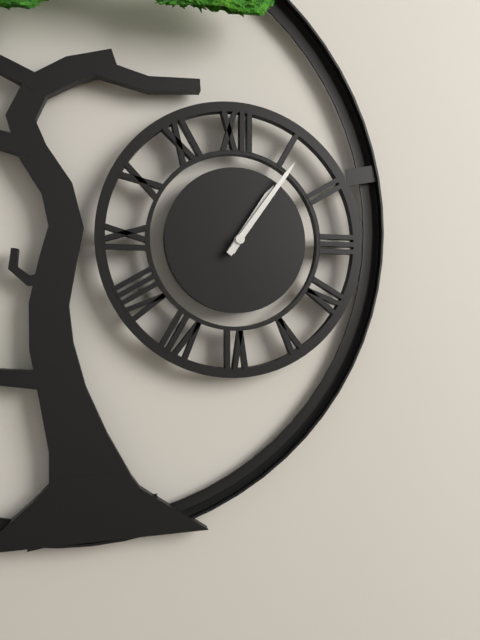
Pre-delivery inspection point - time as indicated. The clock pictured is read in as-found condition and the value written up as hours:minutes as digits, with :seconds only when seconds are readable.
1:06
